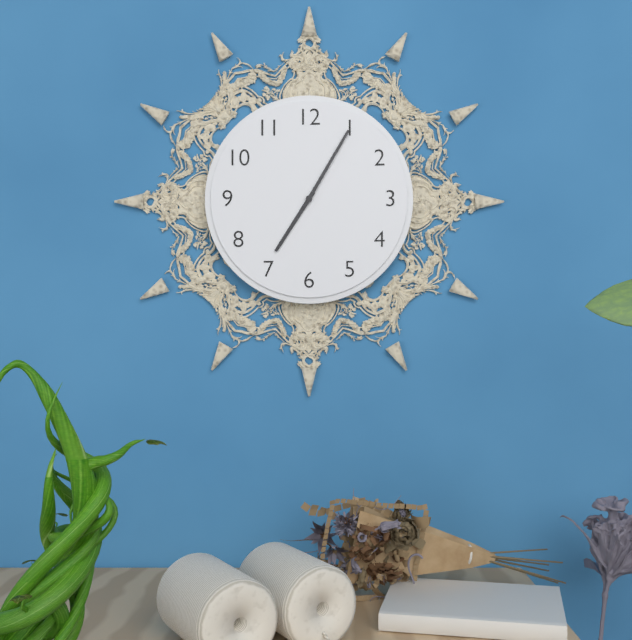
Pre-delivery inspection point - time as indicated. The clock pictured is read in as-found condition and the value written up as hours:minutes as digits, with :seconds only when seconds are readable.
7:05
